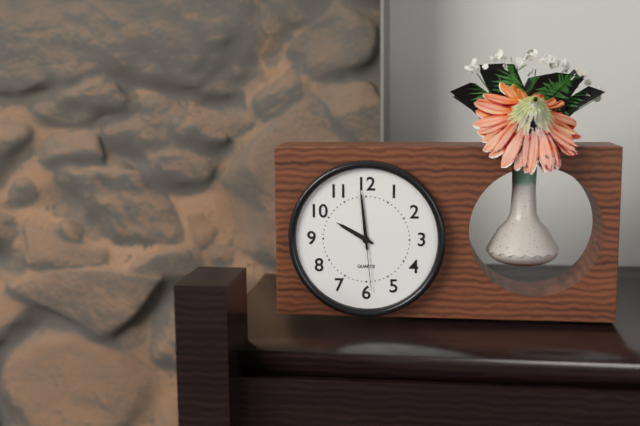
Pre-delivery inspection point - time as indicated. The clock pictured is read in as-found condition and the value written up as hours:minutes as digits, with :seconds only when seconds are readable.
9:59:29
